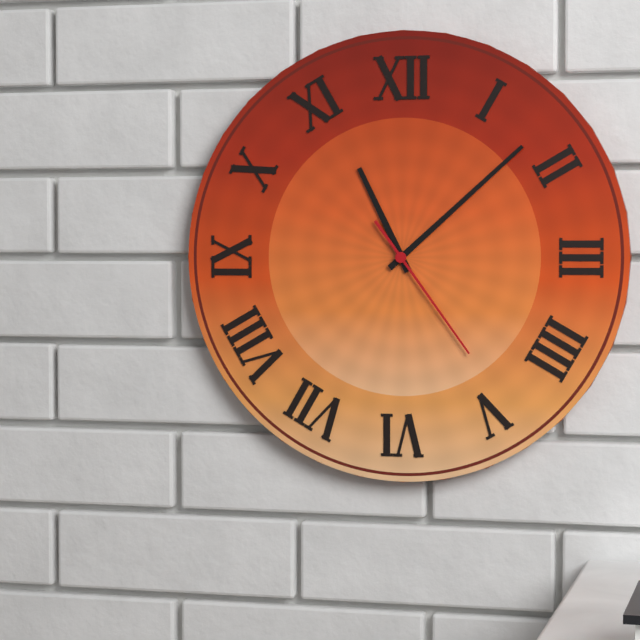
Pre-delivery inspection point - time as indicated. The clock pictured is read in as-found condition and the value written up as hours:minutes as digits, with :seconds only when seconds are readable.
11:08:24
